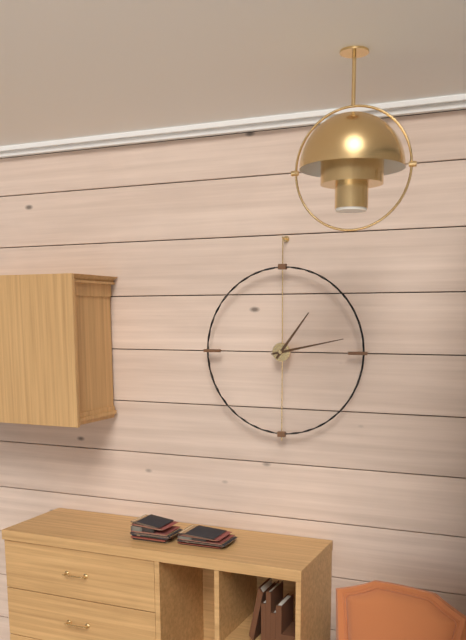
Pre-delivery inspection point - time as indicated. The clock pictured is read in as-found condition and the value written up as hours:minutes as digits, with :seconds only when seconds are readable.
1:13
